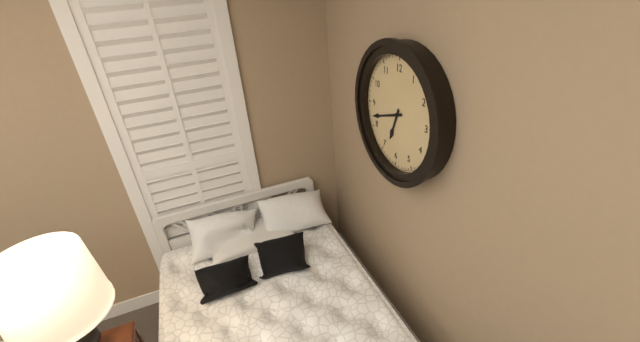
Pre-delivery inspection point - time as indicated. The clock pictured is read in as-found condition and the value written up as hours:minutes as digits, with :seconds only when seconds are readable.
6:42
